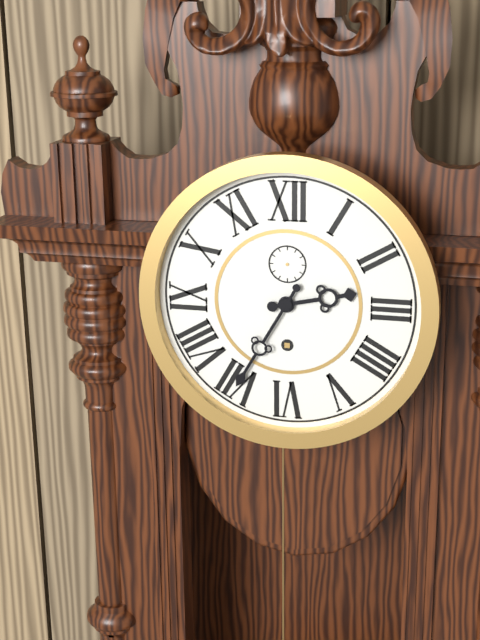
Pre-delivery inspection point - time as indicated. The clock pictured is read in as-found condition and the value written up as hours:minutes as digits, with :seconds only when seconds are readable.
2:35
